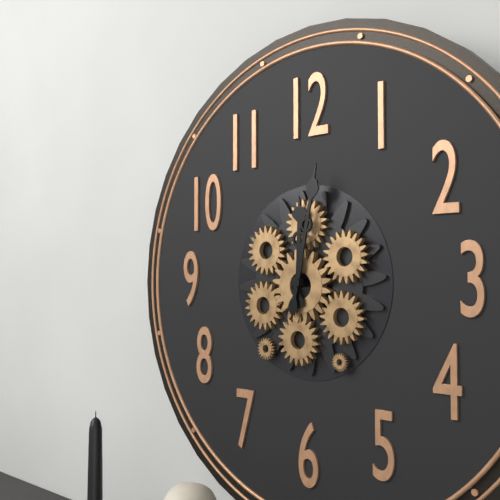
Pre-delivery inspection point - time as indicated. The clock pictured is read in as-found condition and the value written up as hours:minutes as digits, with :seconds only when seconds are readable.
12:02
